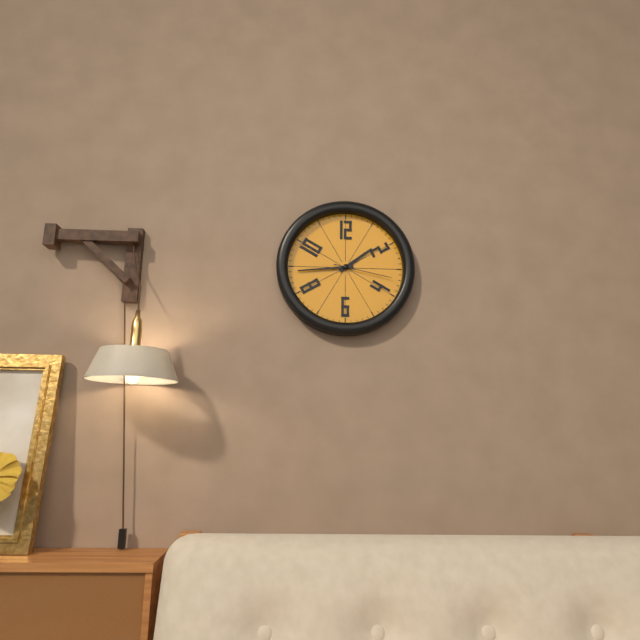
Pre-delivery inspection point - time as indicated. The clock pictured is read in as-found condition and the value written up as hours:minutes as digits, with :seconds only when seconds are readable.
1:44:17
